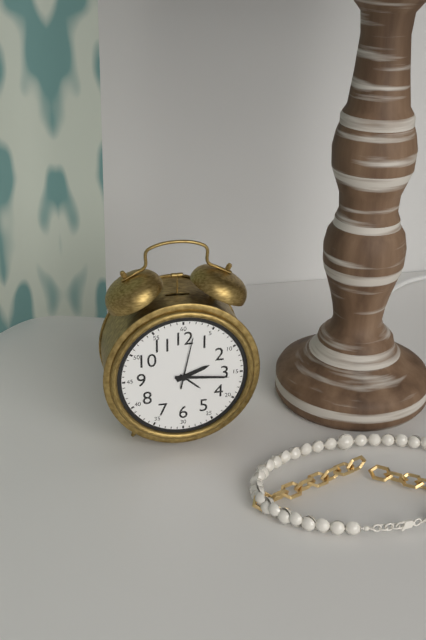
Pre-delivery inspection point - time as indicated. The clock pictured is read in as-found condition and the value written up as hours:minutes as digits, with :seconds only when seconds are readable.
2:16:02
